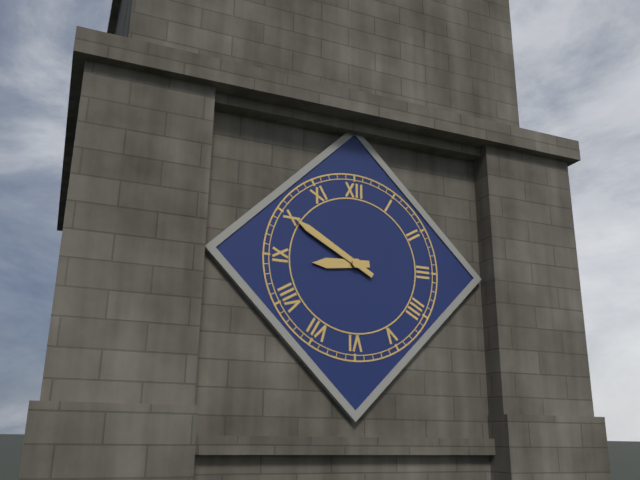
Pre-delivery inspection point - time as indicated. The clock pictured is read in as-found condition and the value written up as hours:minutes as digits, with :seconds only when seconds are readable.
8:50
